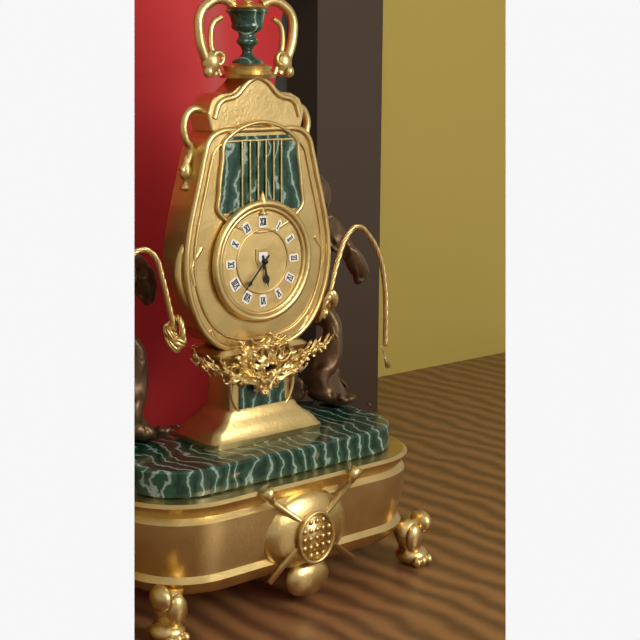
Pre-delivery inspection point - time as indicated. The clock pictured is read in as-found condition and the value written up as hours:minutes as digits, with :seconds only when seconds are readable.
5:37
